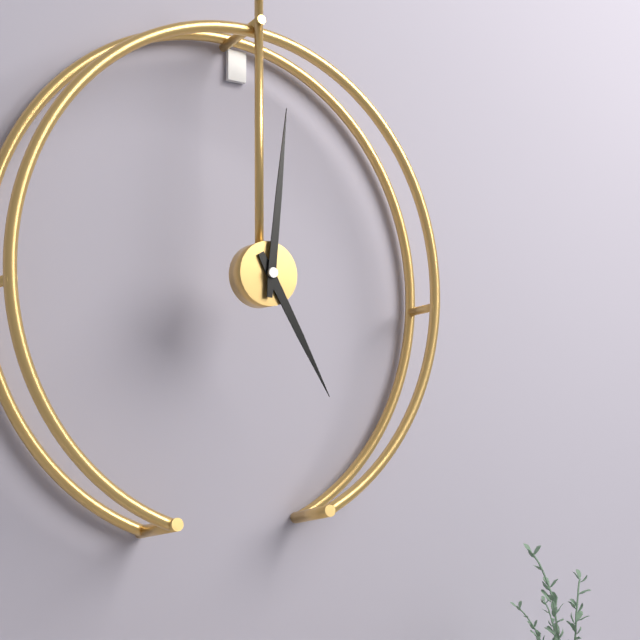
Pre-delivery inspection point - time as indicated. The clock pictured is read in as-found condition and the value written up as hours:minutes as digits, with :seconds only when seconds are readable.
5:01
